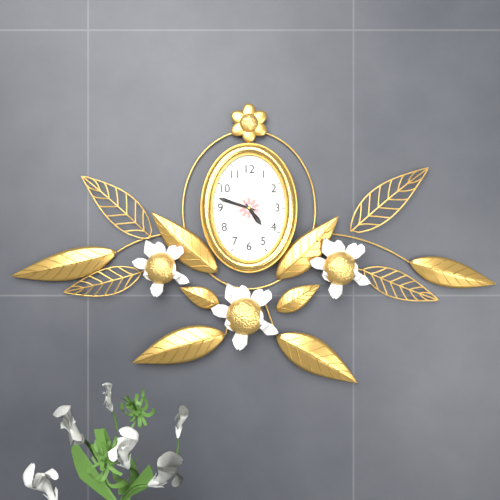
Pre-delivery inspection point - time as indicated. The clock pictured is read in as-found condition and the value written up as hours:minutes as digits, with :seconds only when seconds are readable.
4:48
